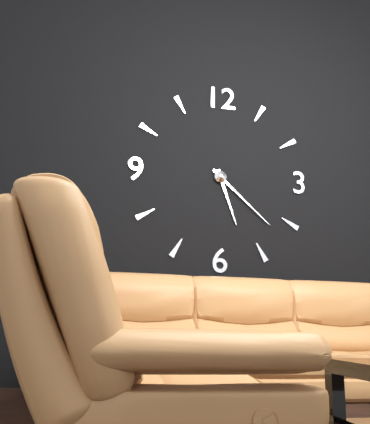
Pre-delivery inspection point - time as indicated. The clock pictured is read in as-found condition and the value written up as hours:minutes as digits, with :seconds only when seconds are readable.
5:22
